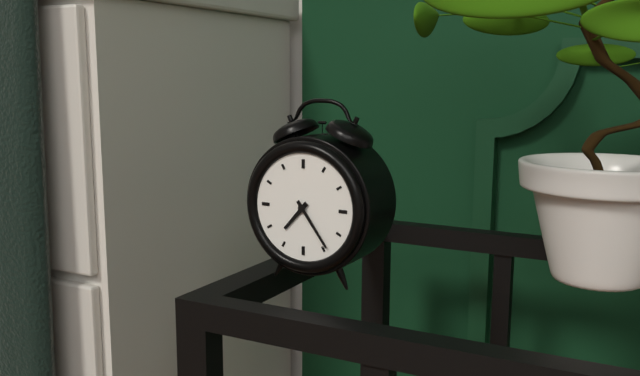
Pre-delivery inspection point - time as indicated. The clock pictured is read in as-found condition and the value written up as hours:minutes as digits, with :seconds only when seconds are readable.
7:24
